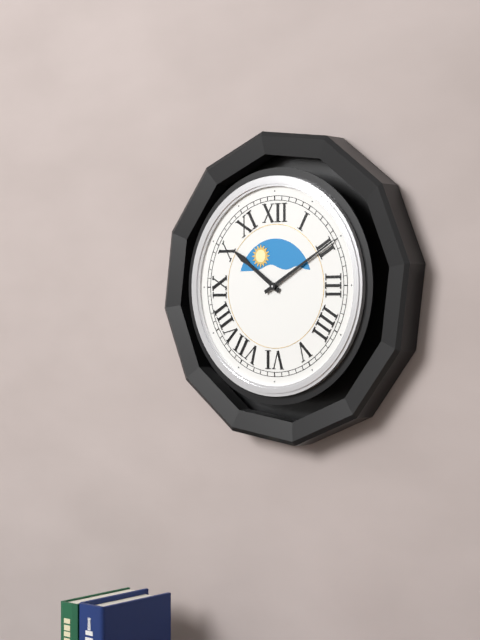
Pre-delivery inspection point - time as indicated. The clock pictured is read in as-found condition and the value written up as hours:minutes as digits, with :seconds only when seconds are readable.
10:10
